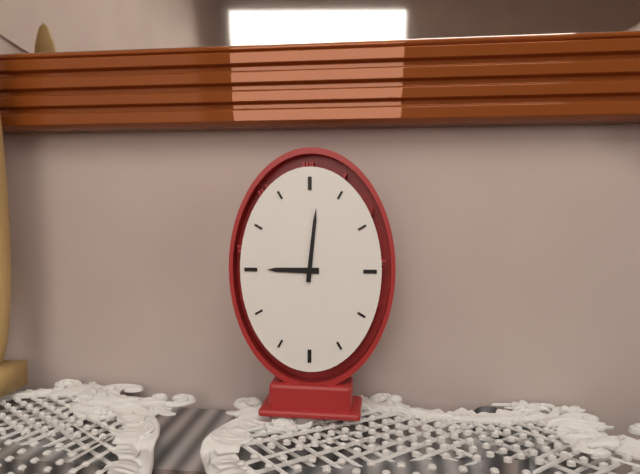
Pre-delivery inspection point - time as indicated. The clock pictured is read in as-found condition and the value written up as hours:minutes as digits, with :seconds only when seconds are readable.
9:01
